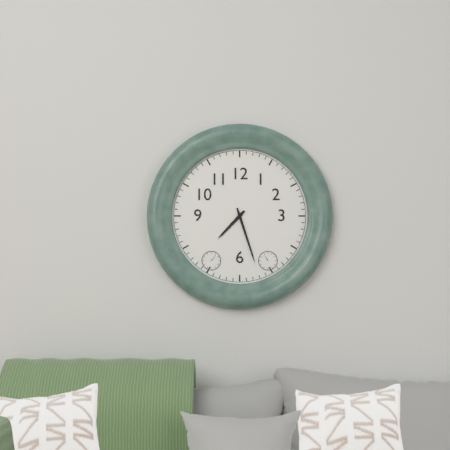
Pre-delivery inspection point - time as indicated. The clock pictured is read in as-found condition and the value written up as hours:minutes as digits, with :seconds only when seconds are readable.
7:27
